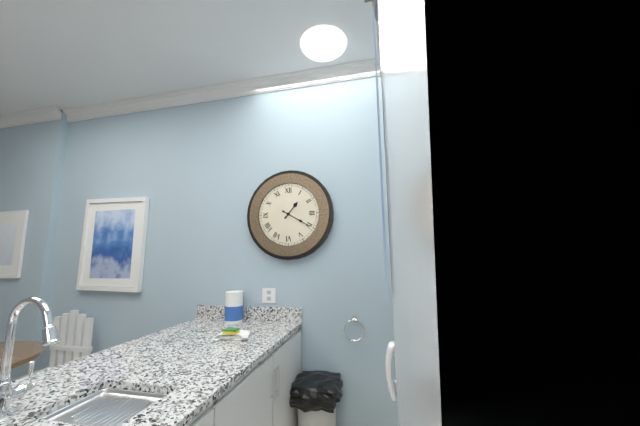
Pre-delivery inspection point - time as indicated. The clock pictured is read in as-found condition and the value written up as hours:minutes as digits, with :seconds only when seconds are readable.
1:20
